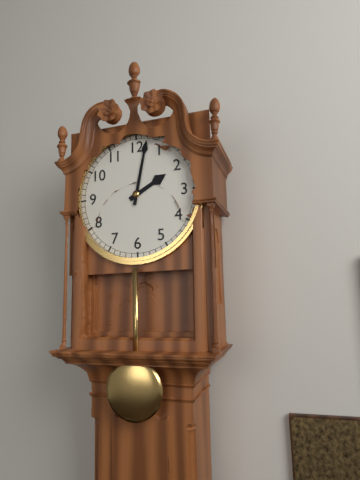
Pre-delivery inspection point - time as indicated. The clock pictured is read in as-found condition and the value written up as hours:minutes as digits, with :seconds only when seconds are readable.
2:02
